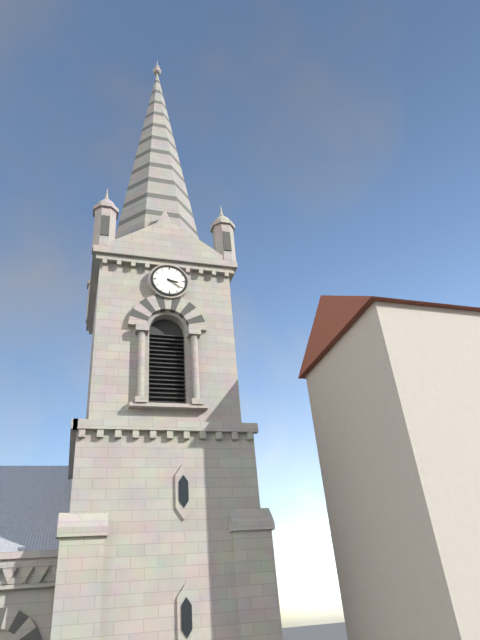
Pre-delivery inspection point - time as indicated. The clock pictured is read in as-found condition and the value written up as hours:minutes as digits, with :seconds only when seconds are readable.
3:21
